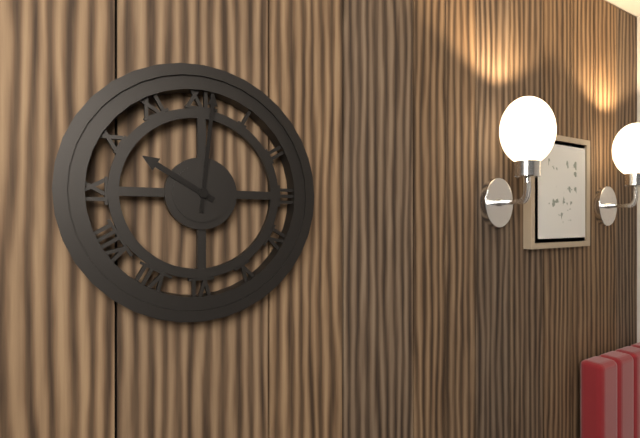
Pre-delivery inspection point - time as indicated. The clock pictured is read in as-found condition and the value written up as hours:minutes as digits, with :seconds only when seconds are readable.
10:01
